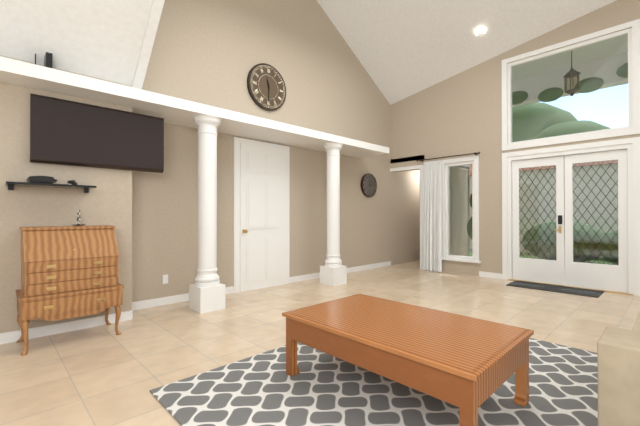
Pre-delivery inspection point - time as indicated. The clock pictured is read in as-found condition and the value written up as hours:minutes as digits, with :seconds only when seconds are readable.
11:30
